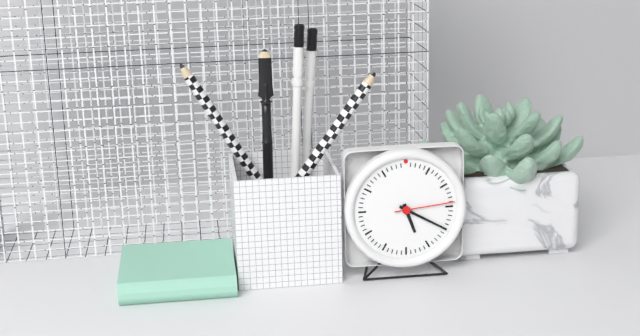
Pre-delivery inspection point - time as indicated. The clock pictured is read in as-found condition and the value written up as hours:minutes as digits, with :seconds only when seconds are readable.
5:20:14
